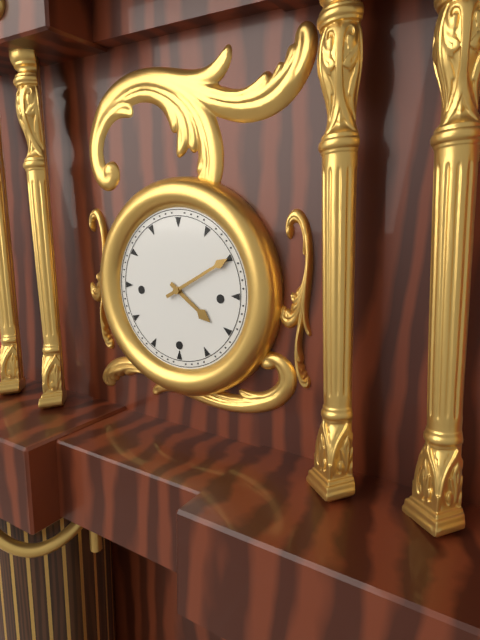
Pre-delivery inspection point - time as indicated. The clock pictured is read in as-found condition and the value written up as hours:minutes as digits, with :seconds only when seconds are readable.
4:10
